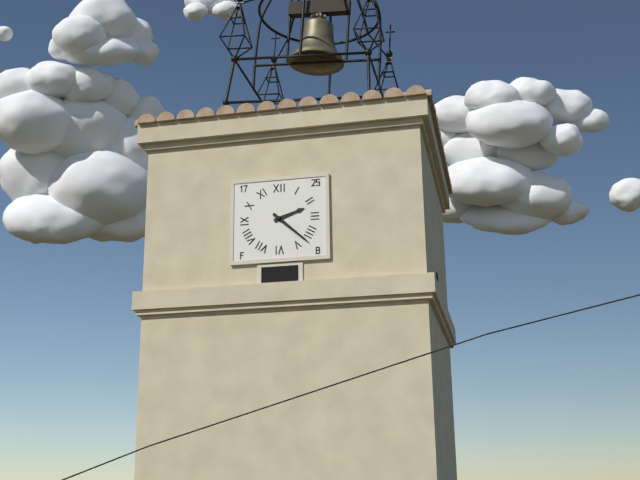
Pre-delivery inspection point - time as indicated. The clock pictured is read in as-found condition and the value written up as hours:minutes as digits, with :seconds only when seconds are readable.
2:22
